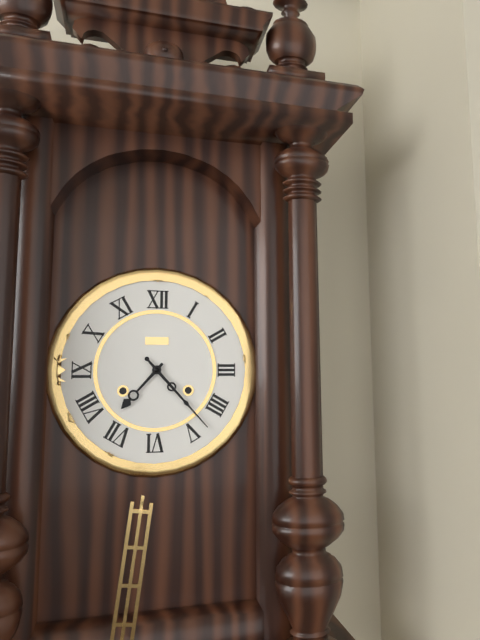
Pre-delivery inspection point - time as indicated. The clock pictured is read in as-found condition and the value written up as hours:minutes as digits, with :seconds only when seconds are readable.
7:23
